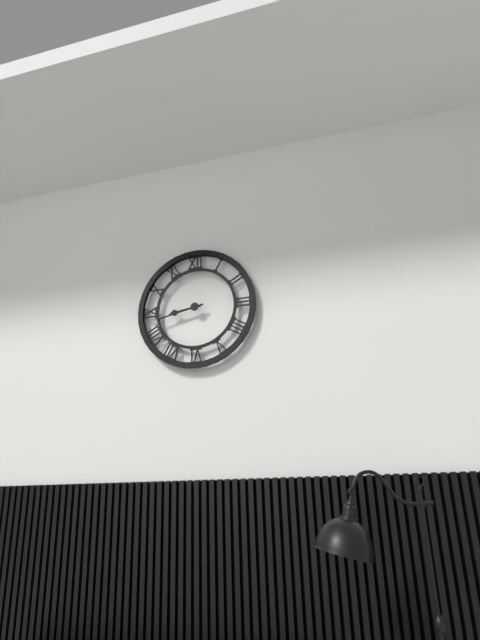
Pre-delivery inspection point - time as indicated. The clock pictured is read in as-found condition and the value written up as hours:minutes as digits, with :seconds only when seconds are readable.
8:43
